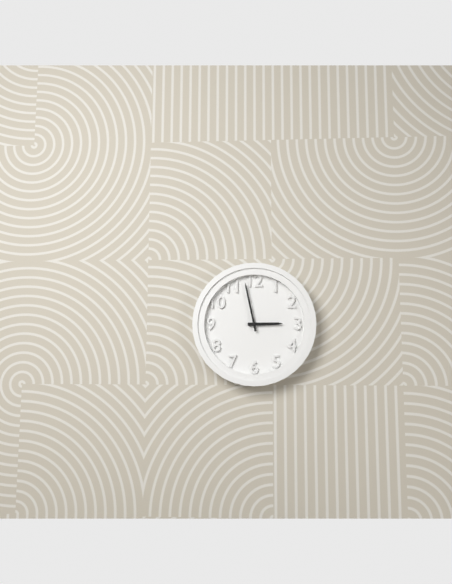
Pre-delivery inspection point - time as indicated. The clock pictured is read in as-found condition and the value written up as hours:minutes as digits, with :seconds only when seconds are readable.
2:58
